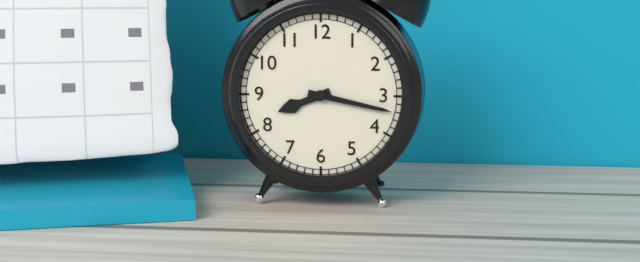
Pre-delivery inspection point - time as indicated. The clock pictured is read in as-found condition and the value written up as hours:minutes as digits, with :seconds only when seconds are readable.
8:17
